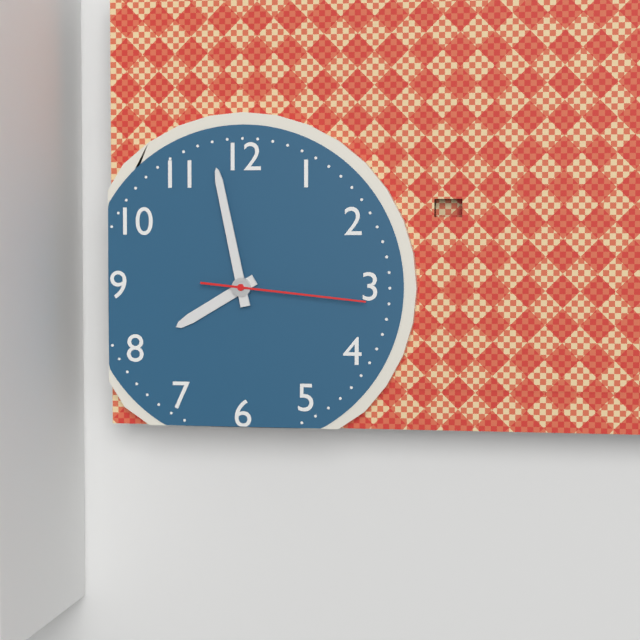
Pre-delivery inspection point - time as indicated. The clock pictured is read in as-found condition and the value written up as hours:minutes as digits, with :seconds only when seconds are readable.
7:58:16
